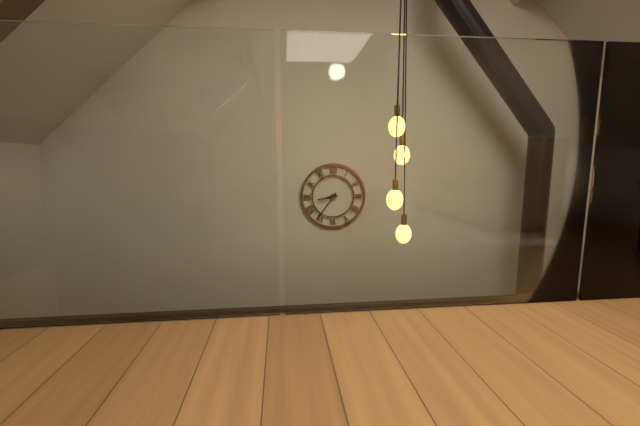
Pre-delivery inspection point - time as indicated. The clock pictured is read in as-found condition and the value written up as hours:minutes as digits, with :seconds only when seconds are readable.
8:36
